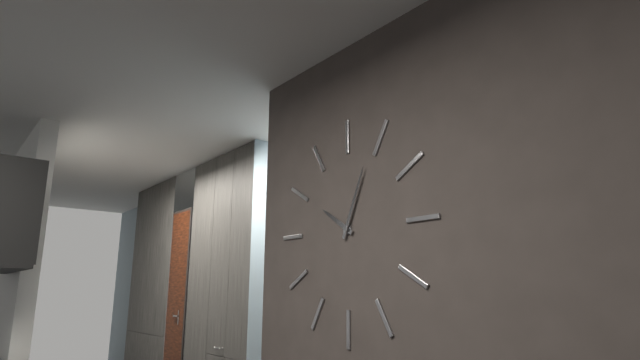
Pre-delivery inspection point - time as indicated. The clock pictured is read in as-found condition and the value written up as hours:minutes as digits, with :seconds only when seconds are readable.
10:04
